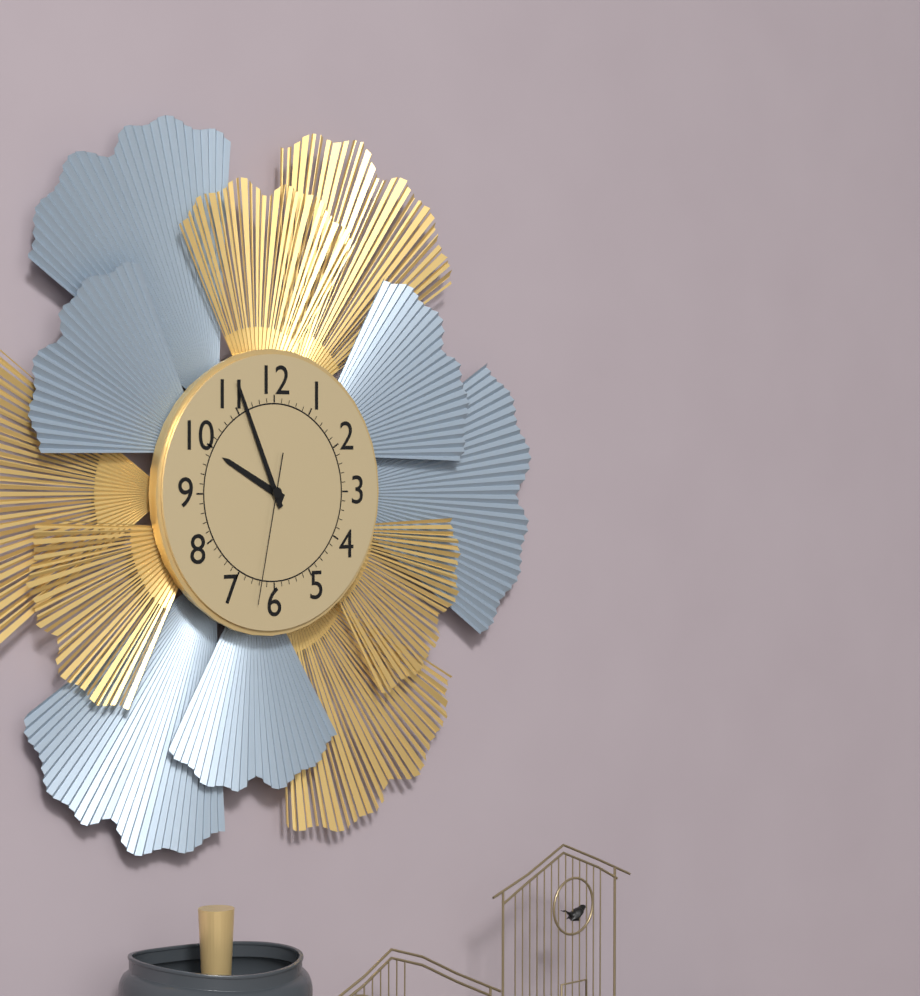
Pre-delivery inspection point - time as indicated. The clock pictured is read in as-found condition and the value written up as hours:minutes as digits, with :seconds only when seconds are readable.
9:56:32
